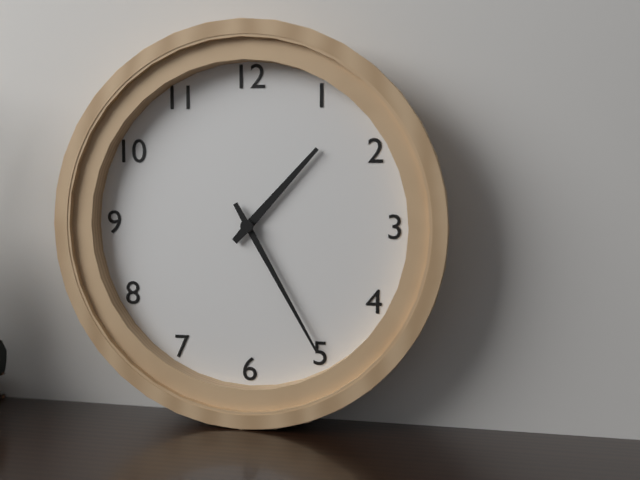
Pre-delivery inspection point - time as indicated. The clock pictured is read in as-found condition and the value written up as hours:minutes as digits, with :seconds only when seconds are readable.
1:25
